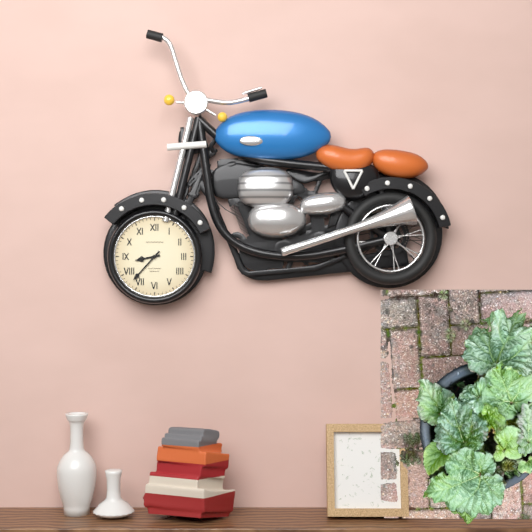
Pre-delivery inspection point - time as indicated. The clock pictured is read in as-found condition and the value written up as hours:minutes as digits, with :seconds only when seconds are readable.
8:37
